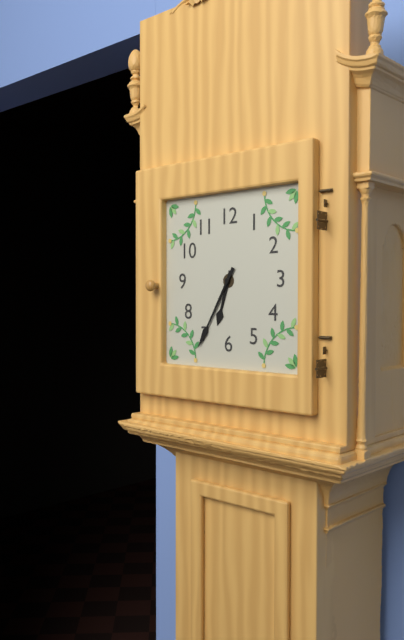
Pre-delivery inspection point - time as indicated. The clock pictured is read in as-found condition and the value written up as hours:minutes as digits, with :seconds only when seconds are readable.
6:35
